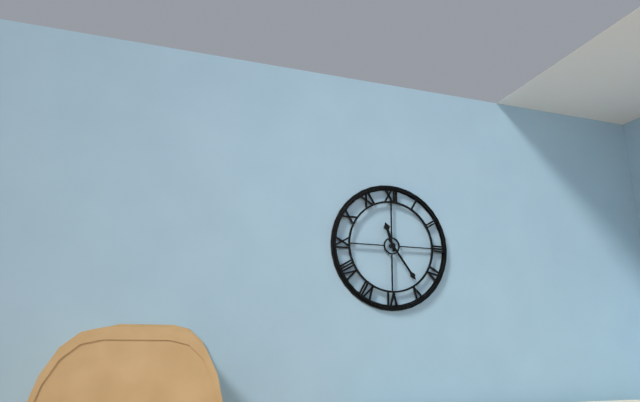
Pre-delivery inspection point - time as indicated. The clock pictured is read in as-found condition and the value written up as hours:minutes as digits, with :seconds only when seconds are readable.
11:24
